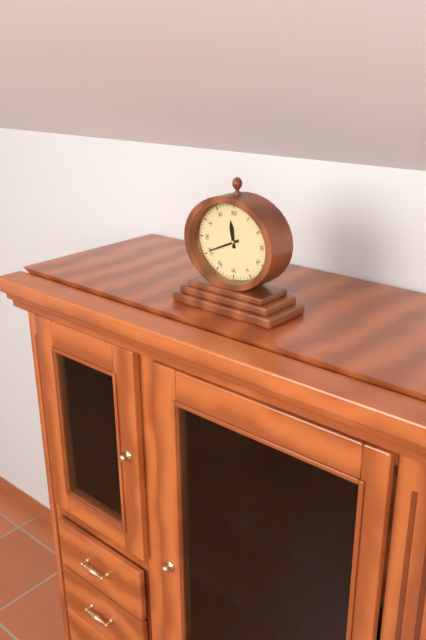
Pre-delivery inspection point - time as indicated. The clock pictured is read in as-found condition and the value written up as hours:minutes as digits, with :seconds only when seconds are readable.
11:41
